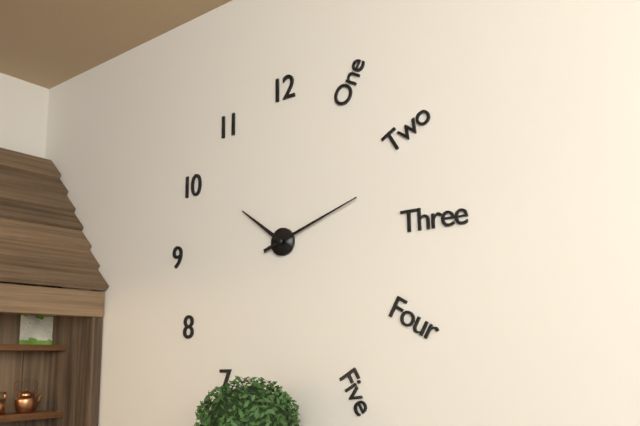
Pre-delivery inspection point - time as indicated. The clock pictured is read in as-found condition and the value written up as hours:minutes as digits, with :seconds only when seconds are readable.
10:12
